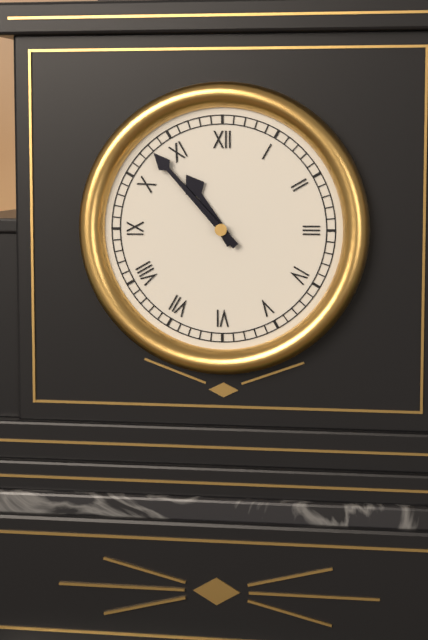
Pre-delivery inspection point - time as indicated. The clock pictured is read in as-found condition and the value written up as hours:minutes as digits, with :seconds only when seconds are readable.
10:53
